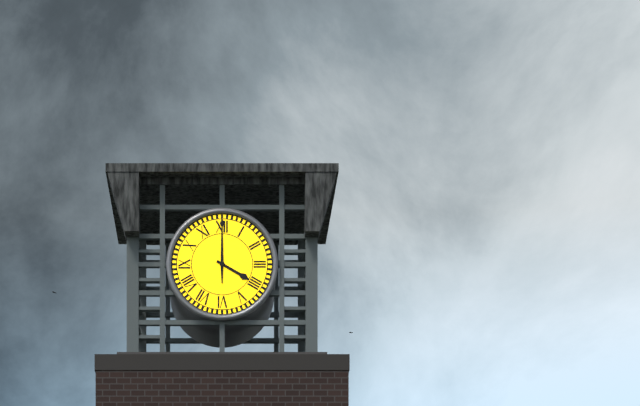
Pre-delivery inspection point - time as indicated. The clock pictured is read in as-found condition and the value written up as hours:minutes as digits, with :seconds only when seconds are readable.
4:00
